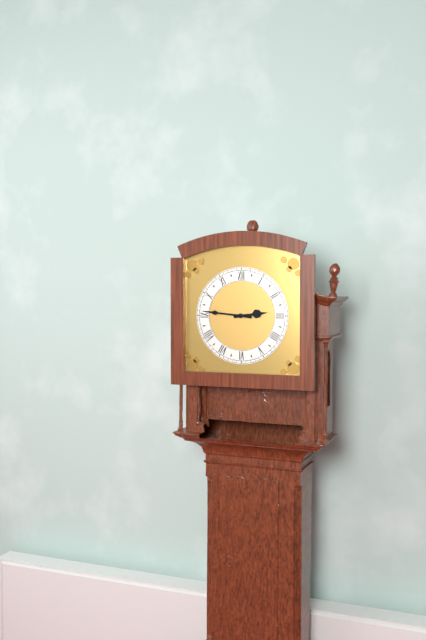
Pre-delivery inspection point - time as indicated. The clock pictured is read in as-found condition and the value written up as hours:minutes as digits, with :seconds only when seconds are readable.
2:46
